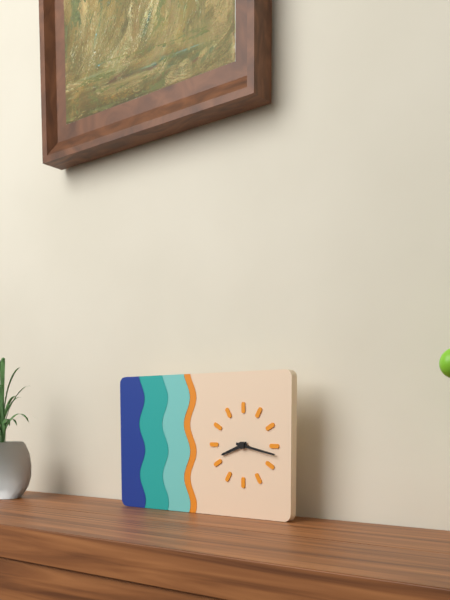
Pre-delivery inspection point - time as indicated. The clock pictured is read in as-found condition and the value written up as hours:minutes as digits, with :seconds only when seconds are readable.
8:17
